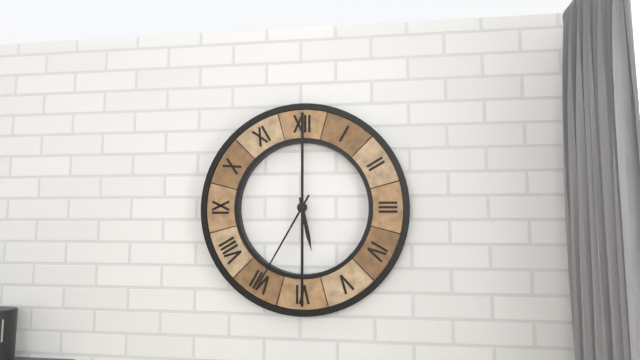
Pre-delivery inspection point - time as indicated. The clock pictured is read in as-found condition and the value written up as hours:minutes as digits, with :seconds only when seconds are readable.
5:35
